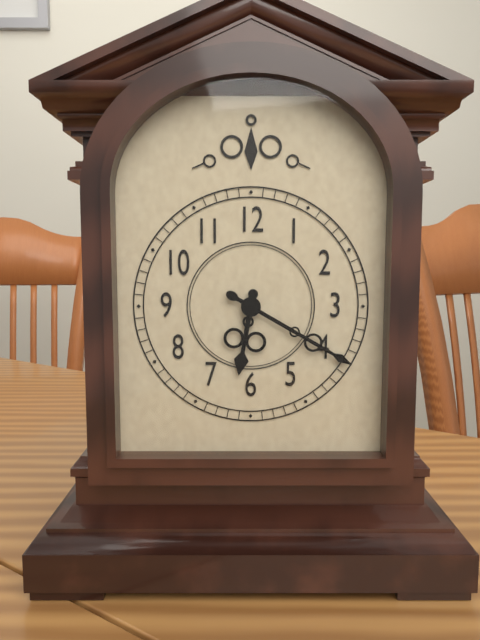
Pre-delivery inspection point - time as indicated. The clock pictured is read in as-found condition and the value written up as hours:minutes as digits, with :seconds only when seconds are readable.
6:20
